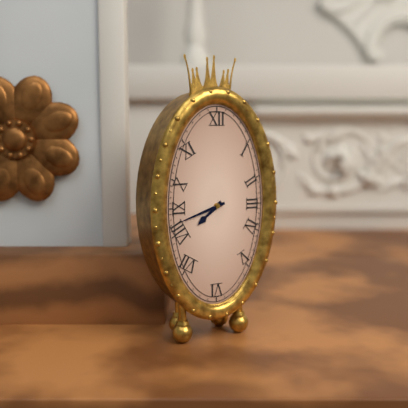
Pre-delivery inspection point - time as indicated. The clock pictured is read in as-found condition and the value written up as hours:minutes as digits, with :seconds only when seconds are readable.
7:42
